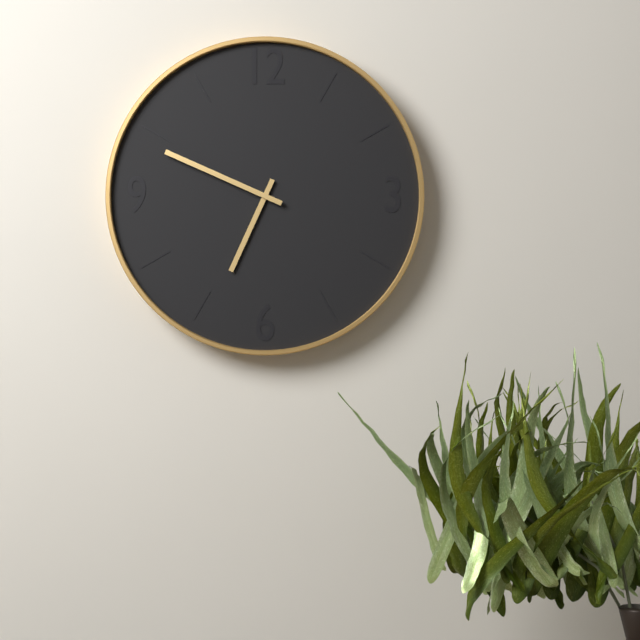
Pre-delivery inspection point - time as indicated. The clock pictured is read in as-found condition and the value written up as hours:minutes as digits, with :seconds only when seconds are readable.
6:49
